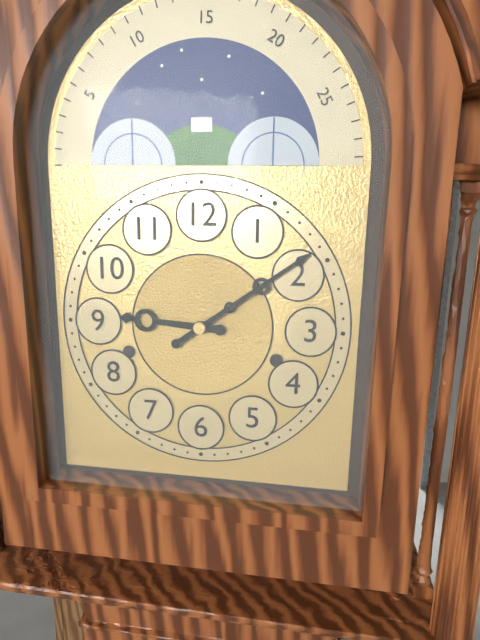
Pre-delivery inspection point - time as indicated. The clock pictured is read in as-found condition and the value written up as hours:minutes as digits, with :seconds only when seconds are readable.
9:09
